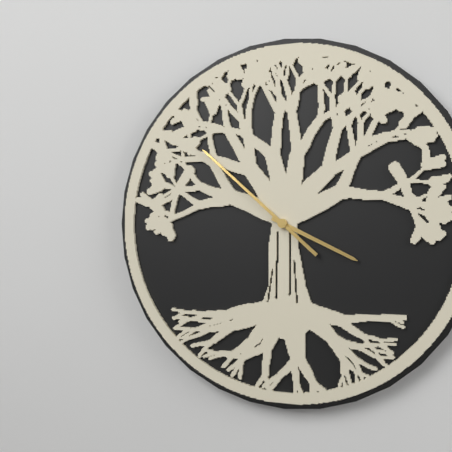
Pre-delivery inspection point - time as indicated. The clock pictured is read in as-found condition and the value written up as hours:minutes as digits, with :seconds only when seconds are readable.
3:52
